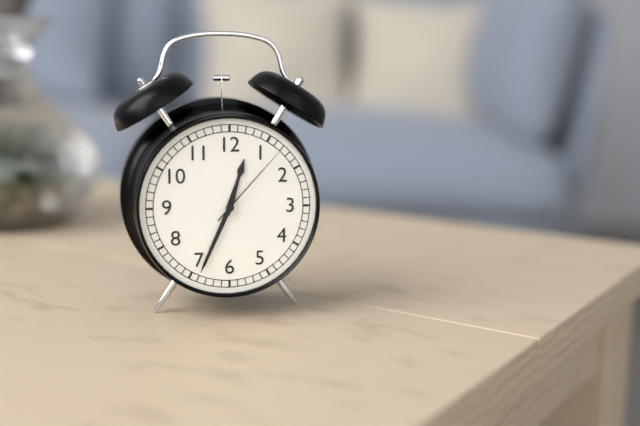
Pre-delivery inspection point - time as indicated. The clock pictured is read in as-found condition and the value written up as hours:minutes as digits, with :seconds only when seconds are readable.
12:34:07
